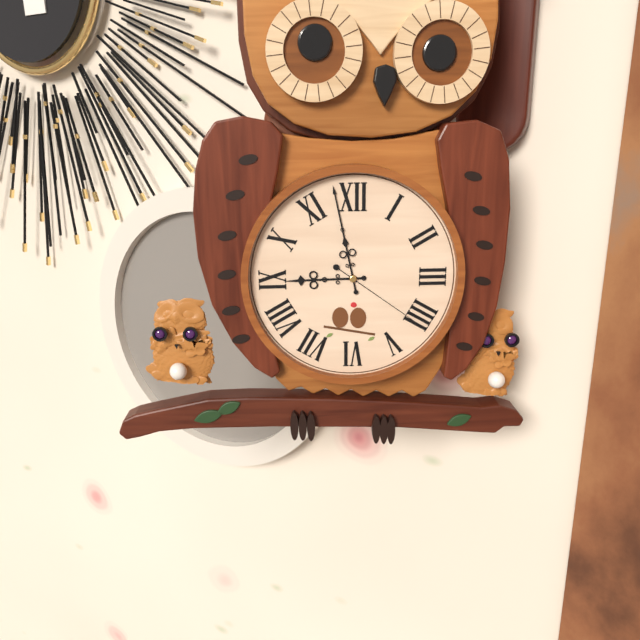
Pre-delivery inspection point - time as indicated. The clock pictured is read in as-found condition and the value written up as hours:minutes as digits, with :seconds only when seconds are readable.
8:58:21
